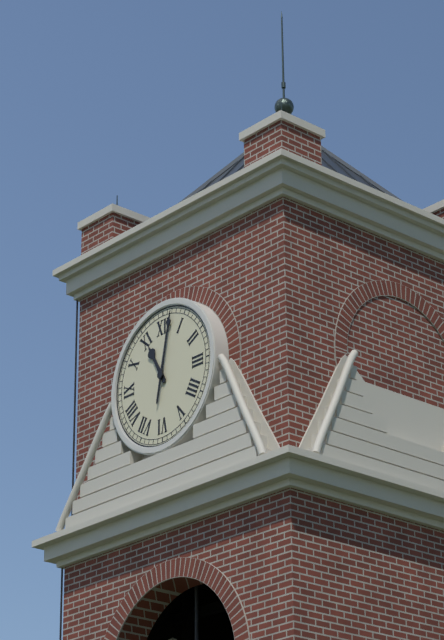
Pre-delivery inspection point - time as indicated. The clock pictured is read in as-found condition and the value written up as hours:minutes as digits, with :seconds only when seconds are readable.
11:02
